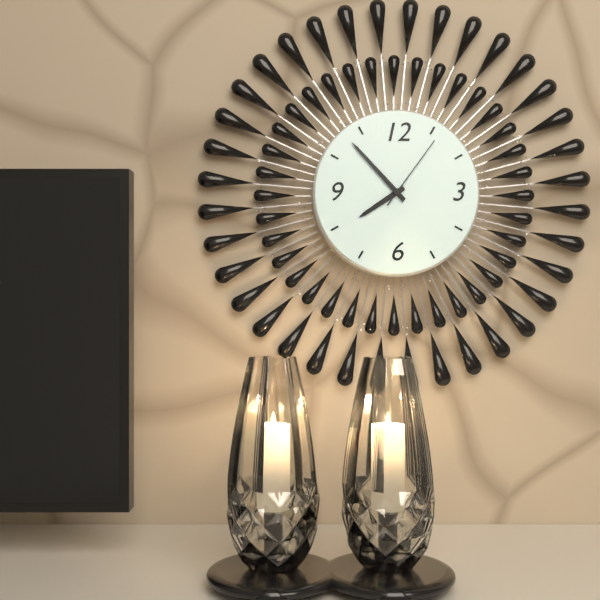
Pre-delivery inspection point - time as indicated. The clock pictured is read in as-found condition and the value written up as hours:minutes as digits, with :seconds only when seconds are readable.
7:53:06
